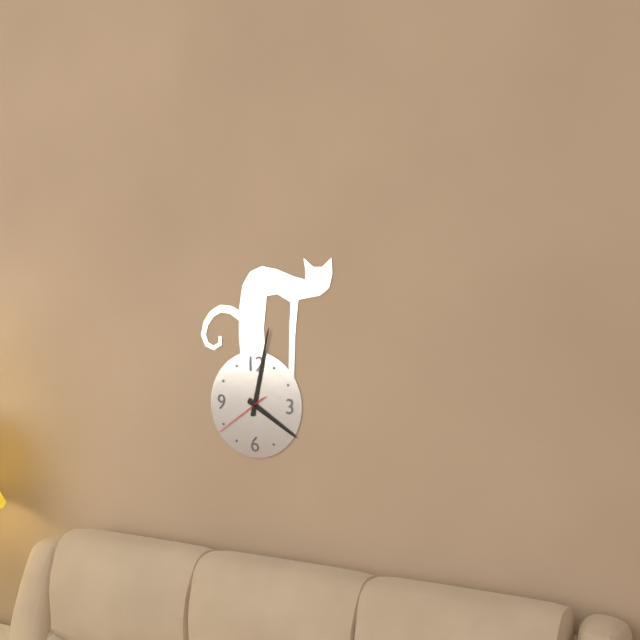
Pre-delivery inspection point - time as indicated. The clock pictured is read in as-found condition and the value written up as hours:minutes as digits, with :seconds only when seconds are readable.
4:02:39
